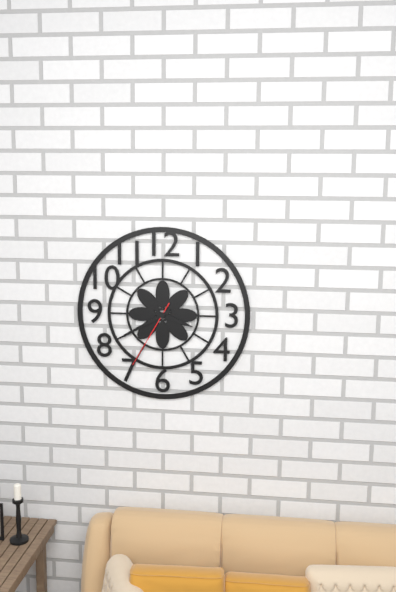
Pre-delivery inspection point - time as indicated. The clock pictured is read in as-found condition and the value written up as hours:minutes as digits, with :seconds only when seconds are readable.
3:40:35
